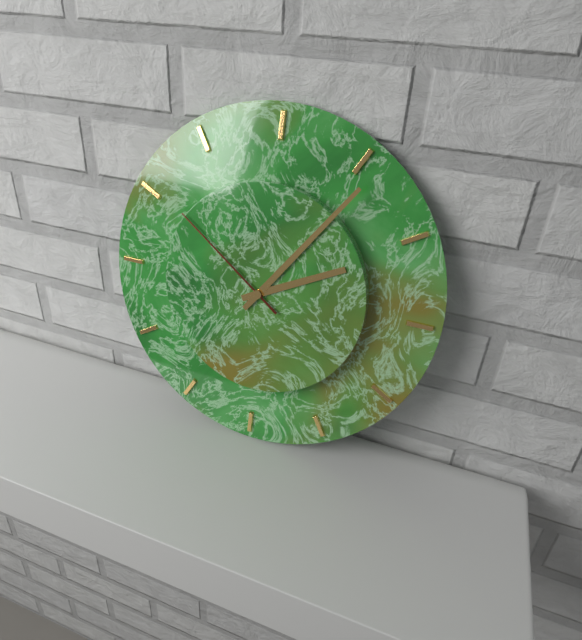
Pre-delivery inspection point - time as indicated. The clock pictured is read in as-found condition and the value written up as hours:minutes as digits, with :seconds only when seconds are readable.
2:06:51
